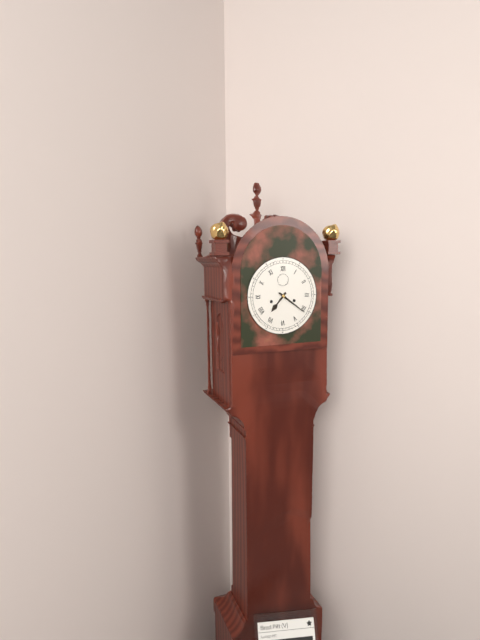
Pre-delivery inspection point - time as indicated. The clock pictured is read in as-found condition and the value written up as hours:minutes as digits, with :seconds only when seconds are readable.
7:21
